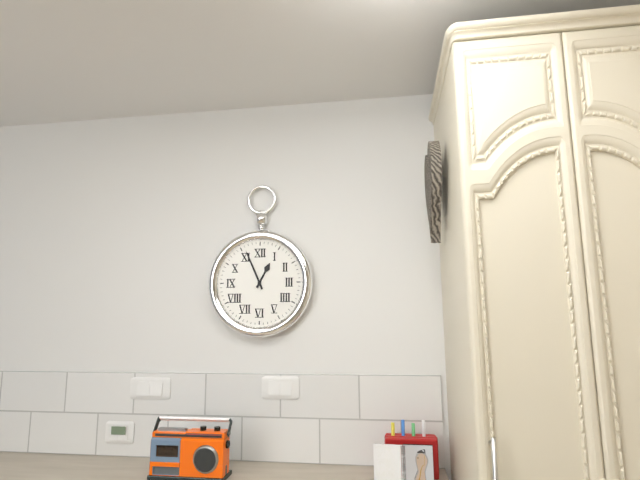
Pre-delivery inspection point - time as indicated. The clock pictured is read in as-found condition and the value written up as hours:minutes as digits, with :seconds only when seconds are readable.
12:56
